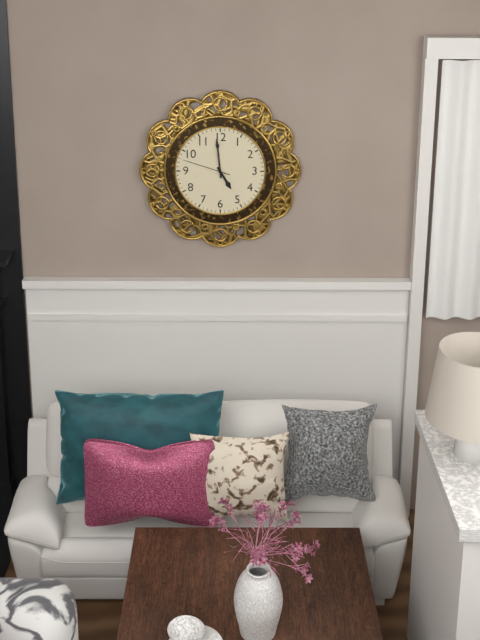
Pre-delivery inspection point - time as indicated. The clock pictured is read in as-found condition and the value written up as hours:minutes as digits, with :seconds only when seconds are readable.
4:59
